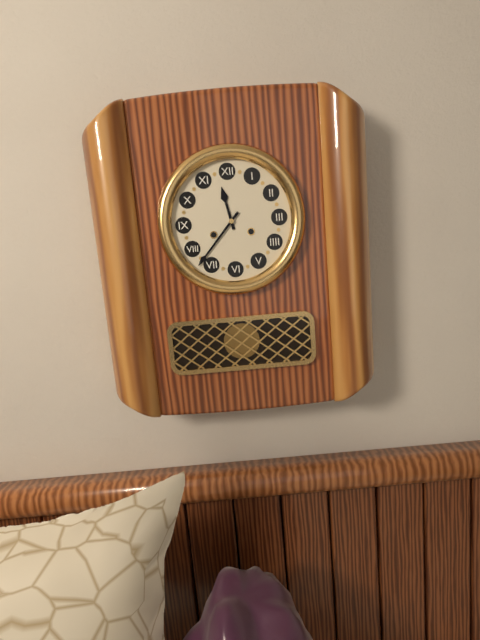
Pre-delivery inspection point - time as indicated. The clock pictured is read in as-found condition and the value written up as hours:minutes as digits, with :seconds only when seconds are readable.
11:37
